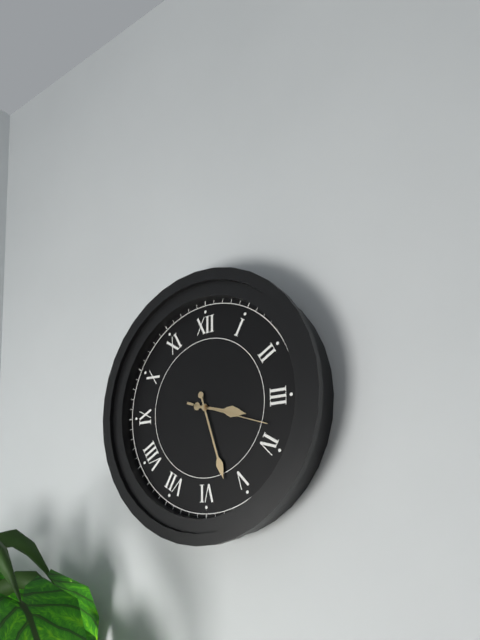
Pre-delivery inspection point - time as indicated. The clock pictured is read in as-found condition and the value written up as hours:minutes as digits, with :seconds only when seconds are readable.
3:27:18
